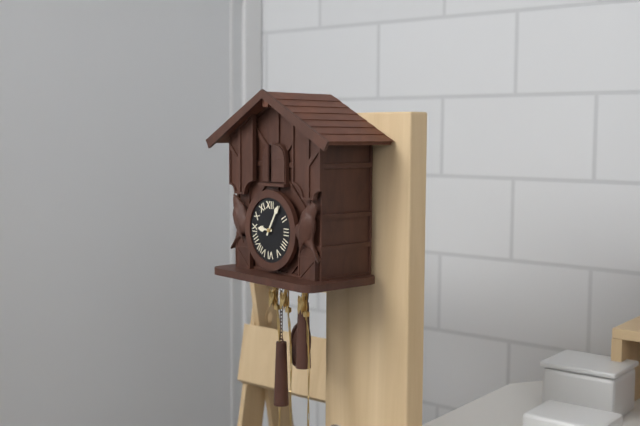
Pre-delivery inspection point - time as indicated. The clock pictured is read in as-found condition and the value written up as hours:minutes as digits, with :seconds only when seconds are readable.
9:05
